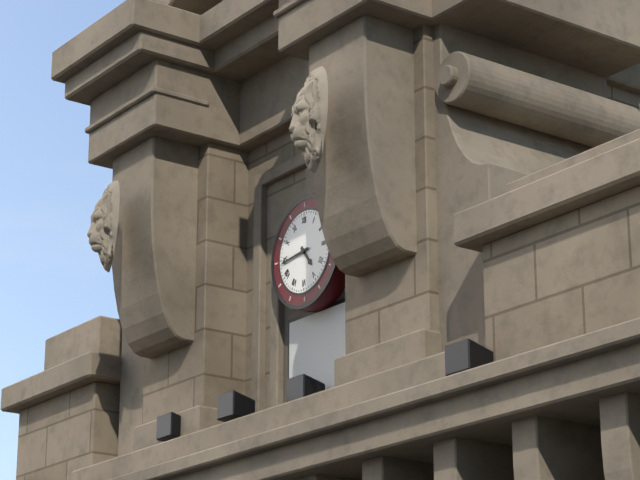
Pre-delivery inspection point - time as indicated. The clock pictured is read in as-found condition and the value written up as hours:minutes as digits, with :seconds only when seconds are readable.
4:44
